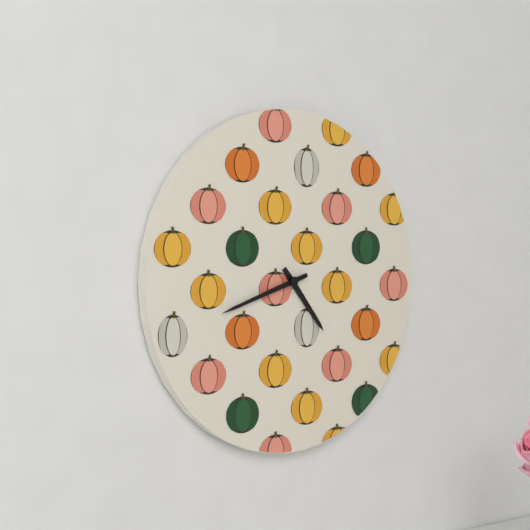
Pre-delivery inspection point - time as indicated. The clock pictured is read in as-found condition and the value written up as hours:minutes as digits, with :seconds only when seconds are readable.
4:42
